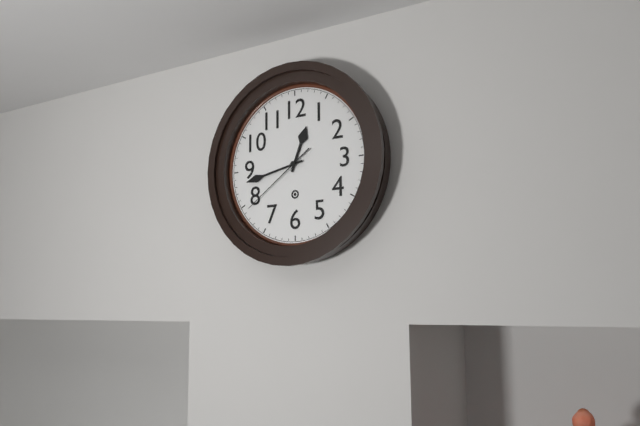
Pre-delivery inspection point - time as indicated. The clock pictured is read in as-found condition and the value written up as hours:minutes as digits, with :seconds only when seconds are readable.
12:43:39
